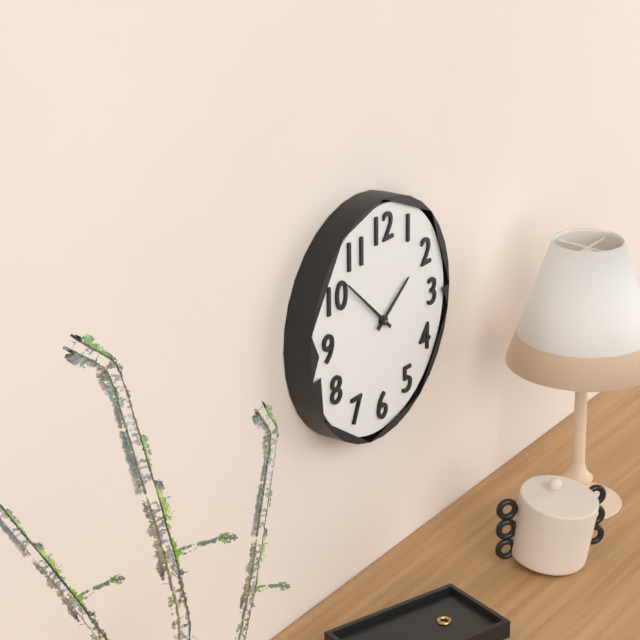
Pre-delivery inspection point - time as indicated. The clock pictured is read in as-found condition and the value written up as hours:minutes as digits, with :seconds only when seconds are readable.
1:52
